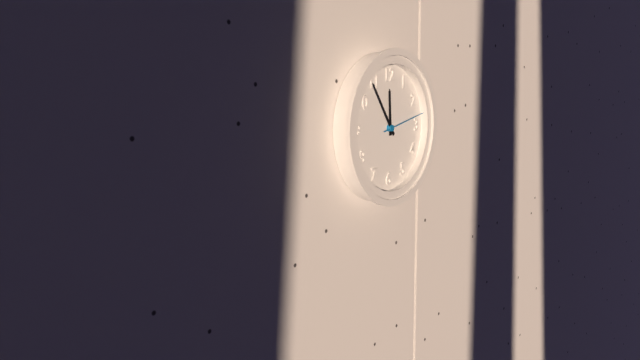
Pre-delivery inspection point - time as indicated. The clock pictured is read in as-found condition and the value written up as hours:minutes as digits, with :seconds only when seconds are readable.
11:54
